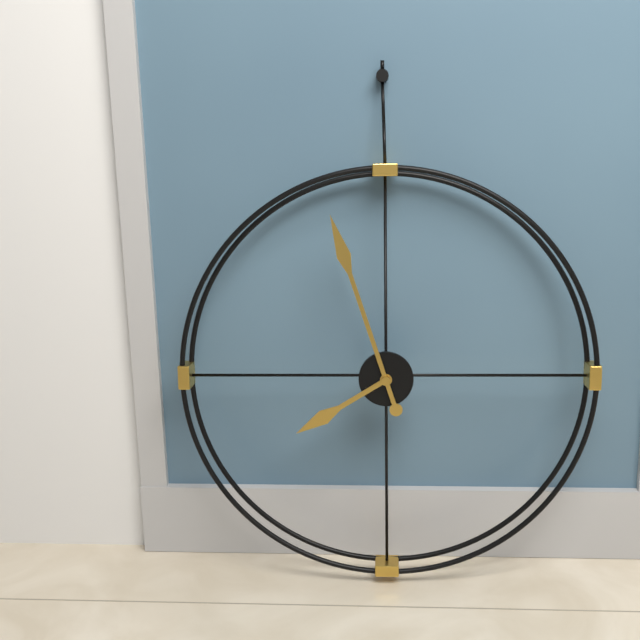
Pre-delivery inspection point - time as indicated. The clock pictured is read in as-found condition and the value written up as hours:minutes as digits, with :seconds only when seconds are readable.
7:57
